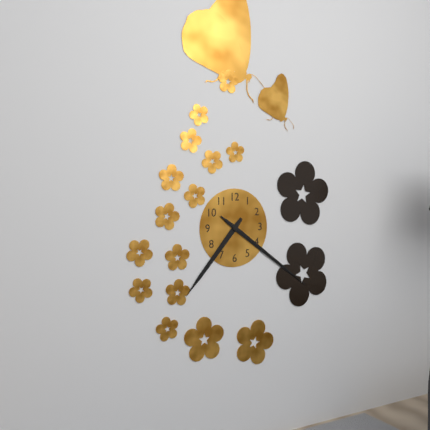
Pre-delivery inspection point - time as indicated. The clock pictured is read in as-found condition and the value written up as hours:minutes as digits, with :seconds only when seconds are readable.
7:21:21
